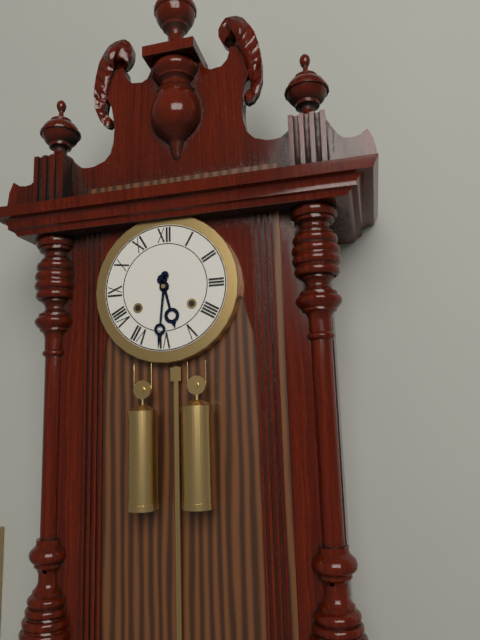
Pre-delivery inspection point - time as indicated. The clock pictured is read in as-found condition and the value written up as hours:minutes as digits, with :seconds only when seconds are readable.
5:31
